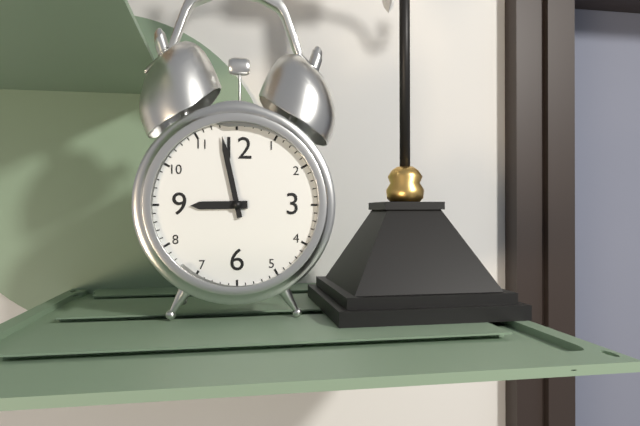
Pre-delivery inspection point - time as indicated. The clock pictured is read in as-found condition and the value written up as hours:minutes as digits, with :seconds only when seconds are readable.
8:58
